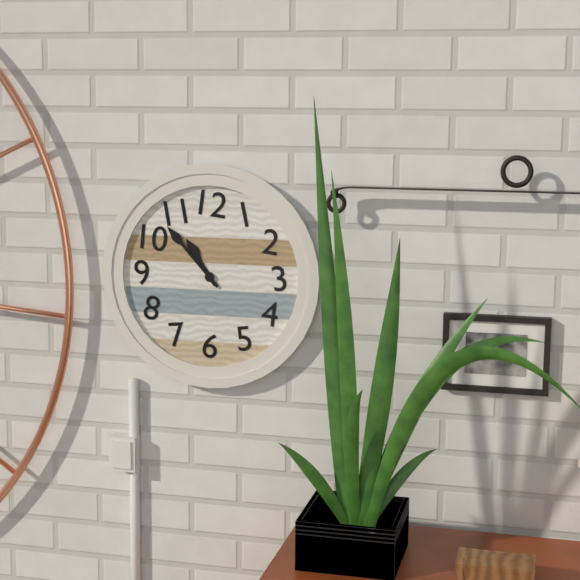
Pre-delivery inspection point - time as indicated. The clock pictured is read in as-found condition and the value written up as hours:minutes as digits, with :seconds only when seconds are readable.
10:53
